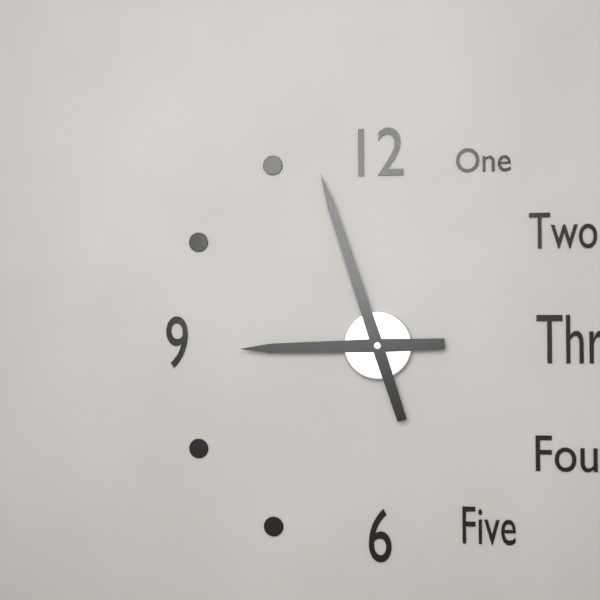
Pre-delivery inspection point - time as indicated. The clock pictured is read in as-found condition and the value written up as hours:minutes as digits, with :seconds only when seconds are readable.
8:57
